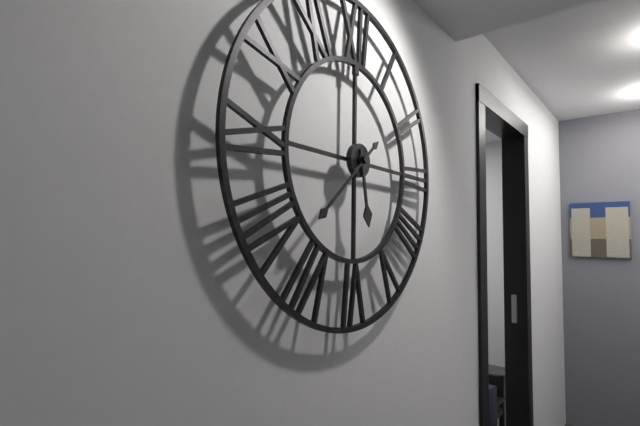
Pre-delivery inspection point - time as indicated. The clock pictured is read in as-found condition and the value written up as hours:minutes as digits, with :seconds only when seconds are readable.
5:38
